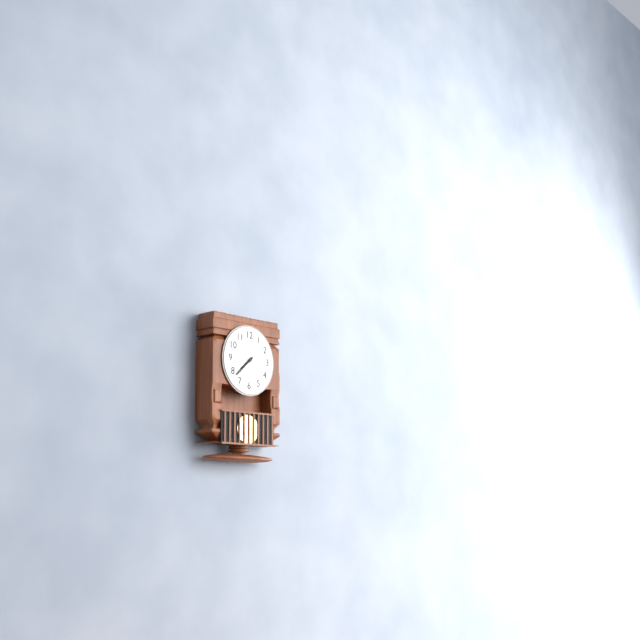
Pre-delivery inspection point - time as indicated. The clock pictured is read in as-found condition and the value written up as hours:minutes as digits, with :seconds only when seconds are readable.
7:38
